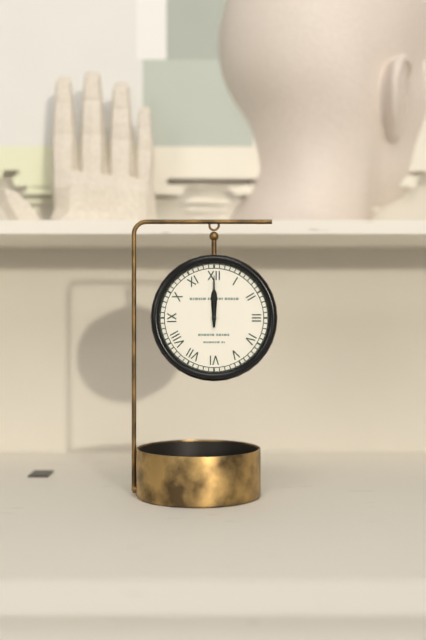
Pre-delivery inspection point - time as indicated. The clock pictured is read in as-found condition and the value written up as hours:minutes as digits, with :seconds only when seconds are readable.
12:00
